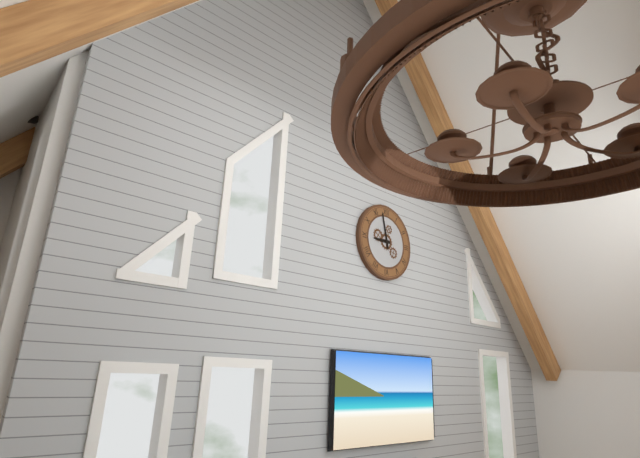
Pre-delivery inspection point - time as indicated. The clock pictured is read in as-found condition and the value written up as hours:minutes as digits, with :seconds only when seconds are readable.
8:58
